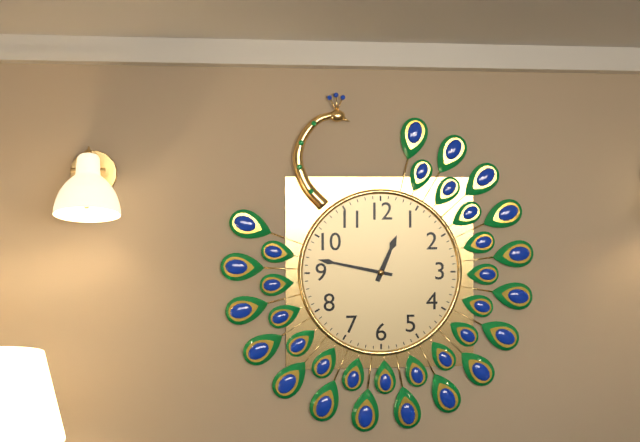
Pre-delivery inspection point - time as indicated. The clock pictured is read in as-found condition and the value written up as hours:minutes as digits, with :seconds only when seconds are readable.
12:47
